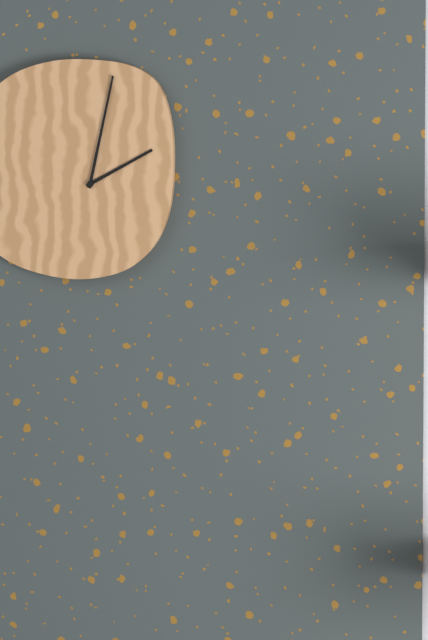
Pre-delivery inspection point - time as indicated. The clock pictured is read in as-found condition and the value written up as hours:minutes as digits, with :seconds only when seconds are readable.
2:02
